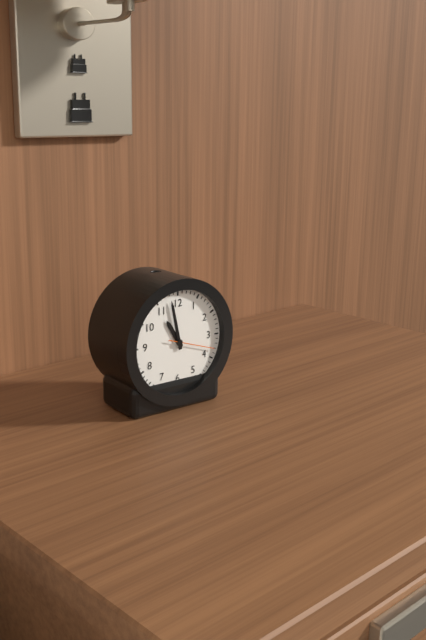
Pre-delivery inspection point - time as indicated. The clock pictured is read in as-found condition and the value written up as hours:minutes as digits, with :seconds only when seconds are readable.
10:58:18
